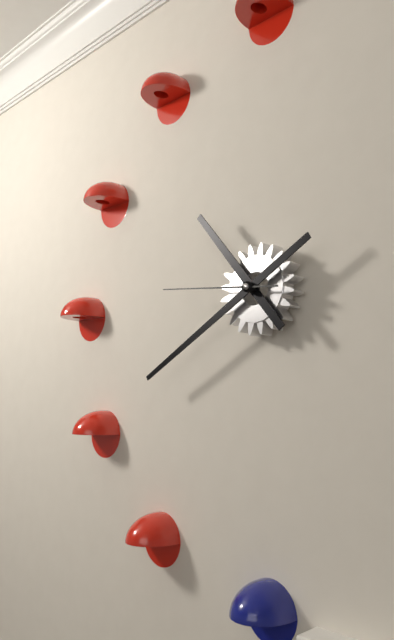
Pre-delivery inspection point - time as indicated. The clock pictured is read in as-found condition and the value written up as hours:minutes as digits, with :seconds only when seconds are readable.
10:40:46
